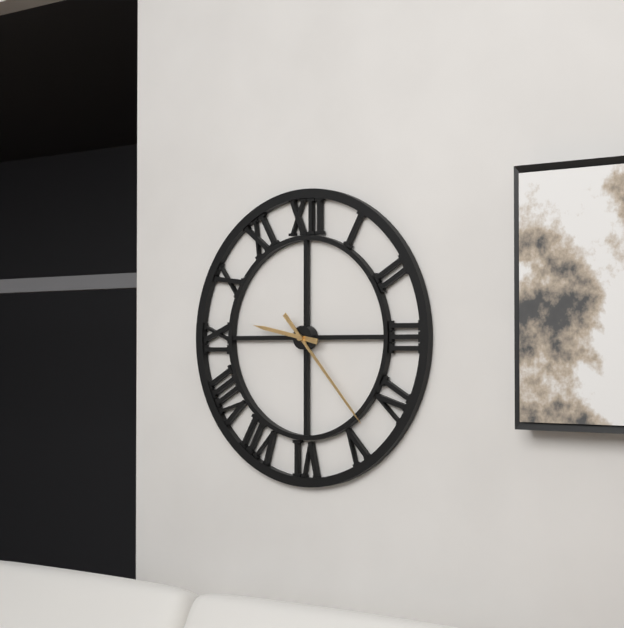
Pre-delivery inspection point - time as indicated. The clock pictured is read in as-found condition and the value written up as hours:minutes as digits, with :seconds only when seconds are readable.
9:23
